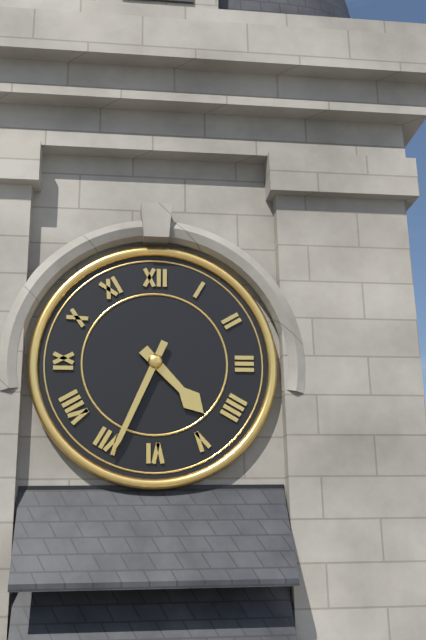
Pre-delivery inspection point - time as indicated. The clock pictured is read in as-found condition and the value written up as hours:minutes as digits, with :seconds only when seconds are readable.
4:34
